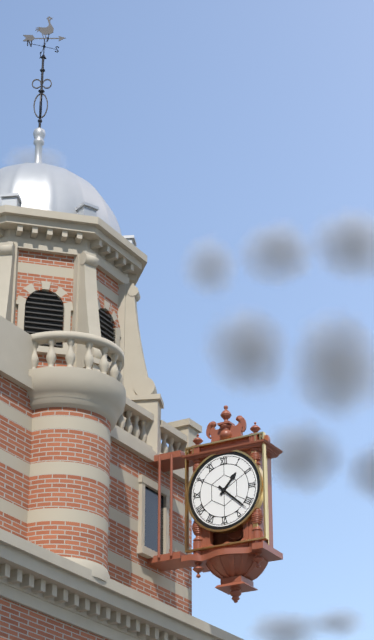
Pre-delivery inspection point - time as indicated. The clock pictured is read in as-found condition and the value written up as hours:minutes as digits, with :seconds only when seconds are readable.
1:22
